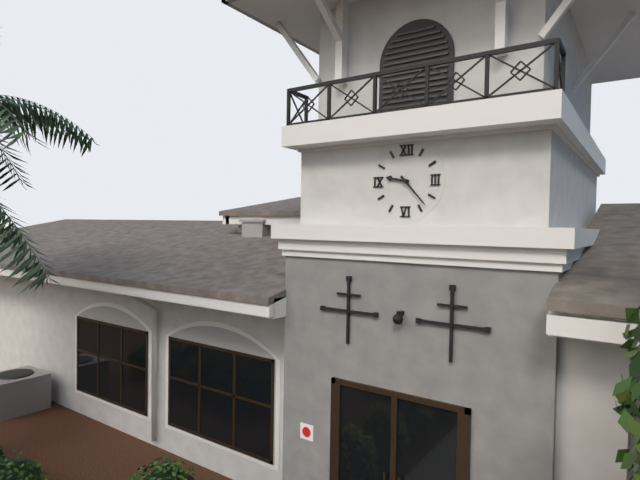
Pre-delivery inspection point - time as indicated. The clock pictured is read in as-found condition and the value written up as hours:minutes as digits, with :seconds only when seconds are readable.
9:23
